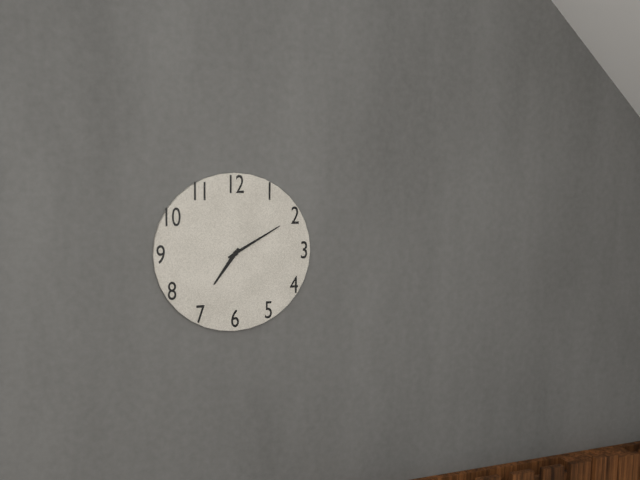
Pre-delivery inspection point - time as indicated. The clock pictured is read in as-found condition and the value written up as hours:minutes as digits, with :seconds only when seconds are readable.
7:10
